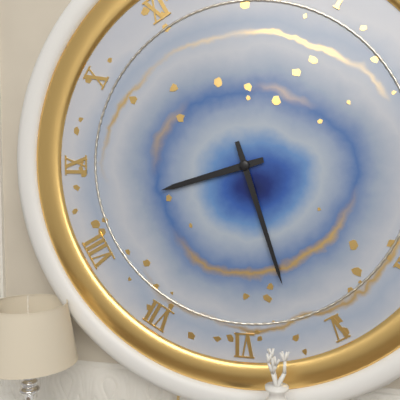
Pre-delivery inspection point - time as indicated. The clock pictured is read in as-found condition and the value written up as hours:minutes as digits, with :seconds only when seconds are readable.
8:27
